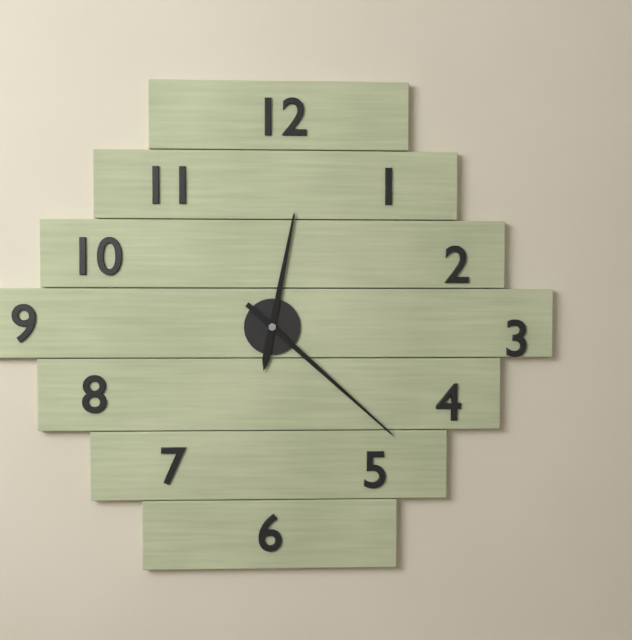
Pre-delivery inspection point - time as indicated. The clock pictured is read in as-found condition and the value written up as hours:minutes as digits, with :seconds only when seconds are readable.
12:22
